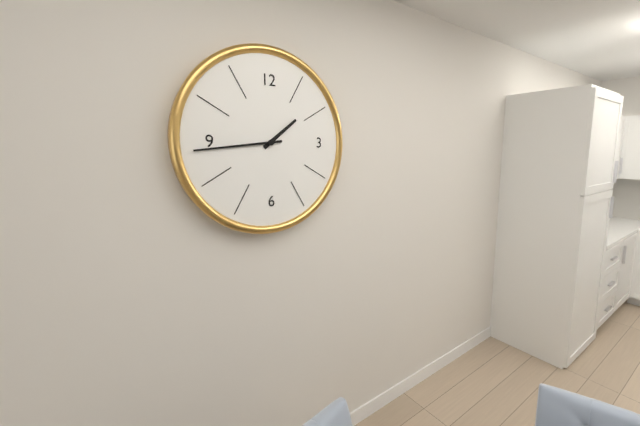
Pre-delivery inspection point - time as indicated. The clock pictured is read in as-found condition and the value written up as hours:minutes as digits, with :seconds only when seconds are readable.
1:44
